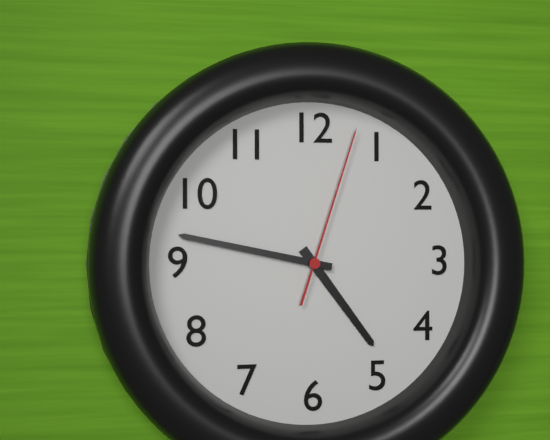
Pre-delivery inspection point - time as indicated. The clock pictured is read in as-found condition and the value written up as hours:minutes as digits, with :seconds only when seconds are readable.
4:47:03
